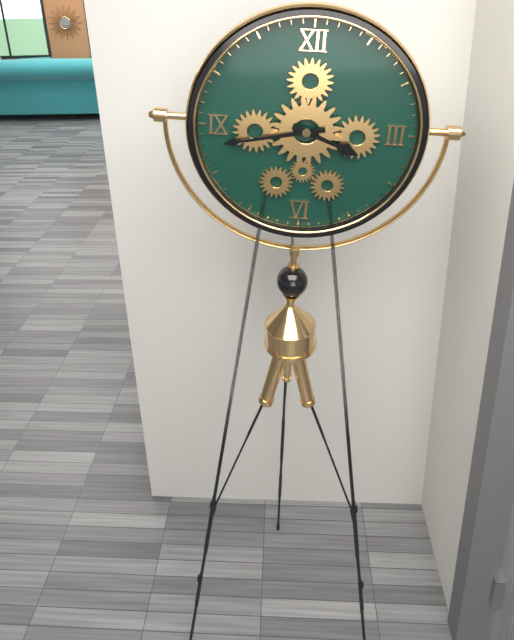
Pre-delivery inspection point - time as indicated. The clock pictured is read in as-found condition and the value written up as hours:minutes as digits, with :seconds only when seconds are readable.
3:43
